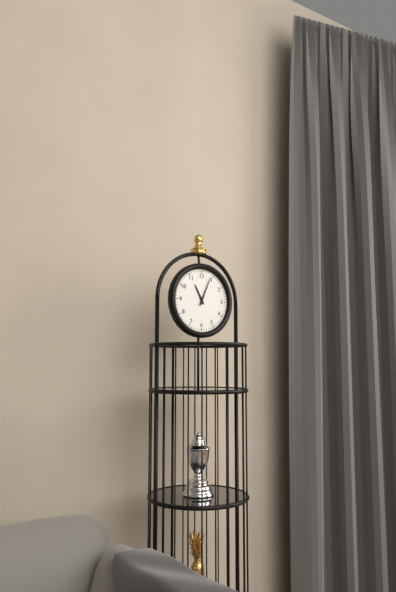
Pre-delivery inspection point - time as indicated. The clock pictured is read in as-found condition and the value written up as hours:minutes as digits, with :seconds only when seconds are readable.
11:04
